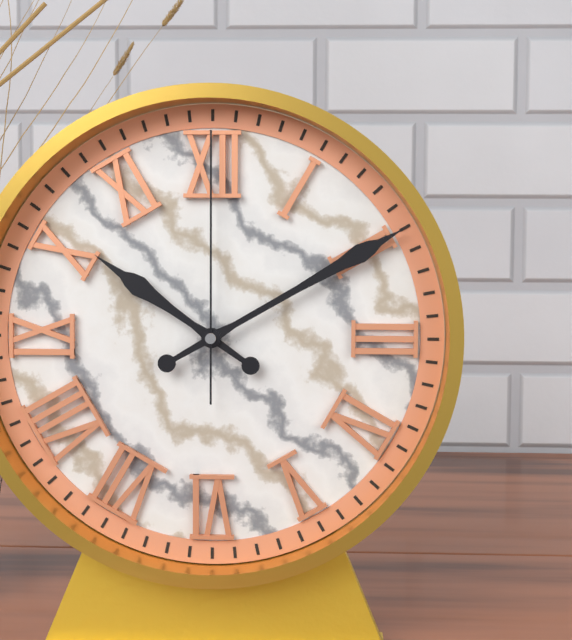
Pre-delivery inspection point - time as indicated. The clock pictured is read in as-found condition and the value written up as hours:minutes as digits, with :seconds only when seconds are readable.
10:10:00
